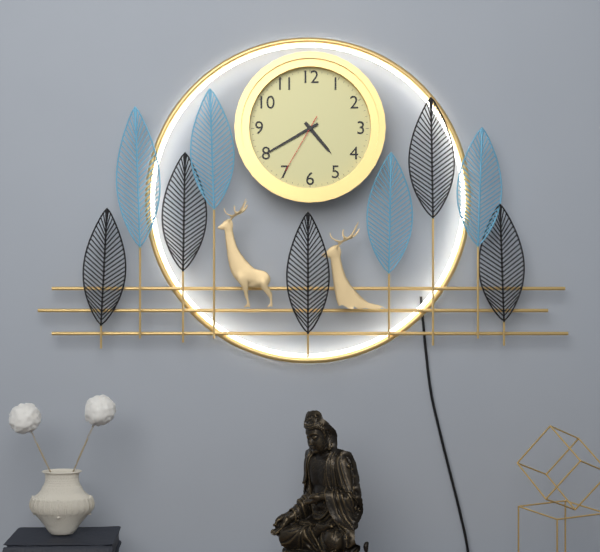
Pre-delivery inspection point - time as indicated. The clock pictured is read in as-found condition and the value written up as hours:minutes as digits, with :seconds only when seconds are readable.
4:40:35
